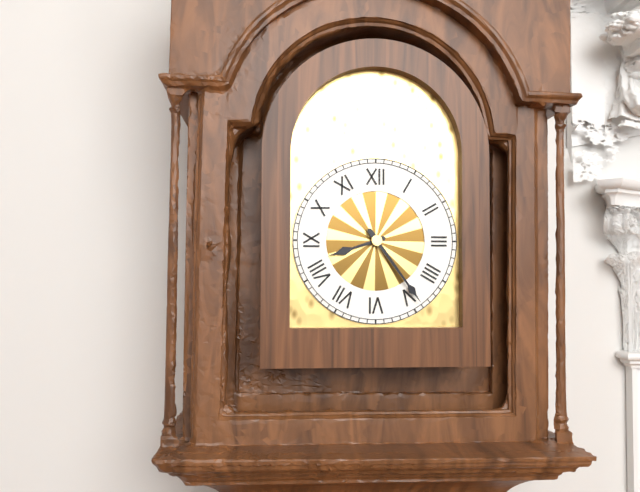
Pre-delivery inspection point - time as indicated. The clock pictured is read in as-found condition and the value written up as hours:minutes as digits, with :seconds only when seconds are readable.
8:24
